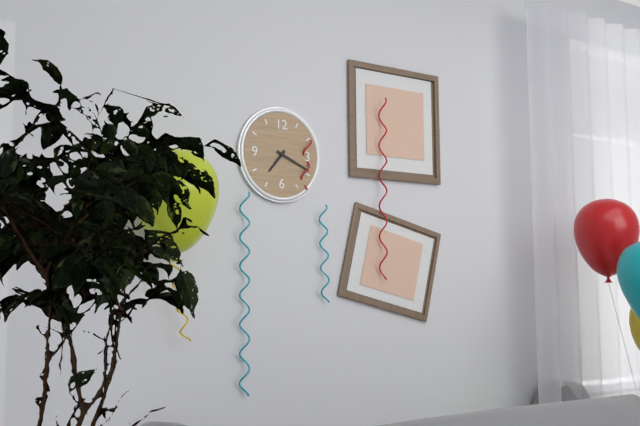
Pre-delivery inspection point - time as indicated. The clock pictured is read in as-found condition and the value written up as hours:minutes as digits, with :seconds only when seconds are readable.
7:19
